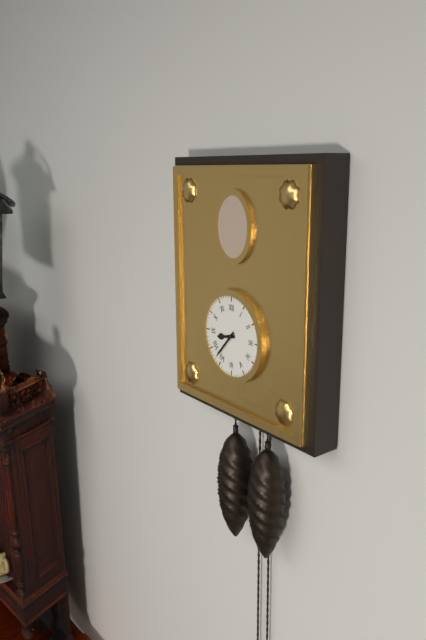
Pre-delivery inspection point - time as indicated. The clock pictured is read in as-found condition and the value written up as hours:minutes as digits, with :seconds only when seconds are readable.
8:37
